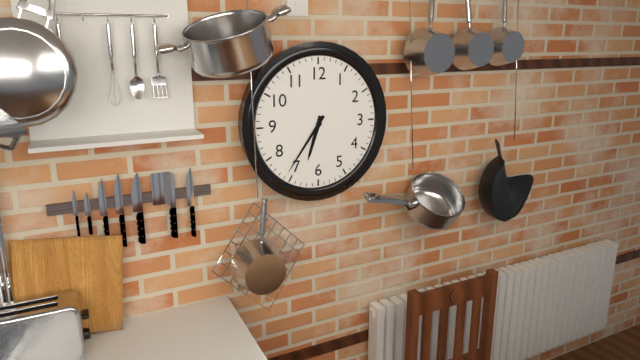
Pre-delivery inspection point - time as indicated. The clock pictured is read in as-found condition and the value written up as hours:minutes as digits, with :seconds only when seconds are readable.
6:36
